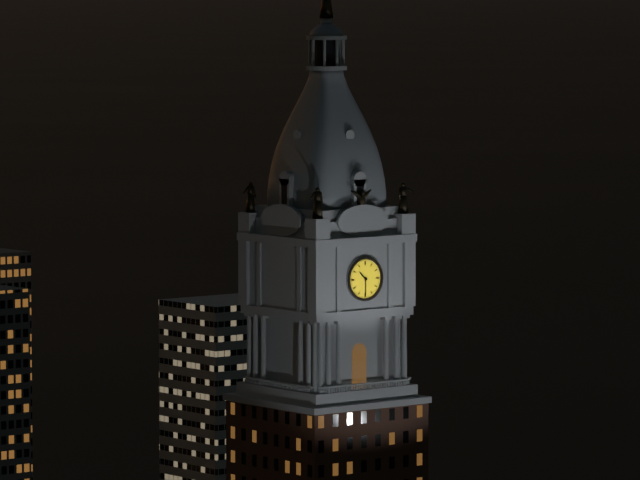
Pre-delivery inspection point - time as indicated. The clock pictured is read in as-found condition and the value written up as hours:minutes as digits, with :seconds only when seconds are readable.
10:30
